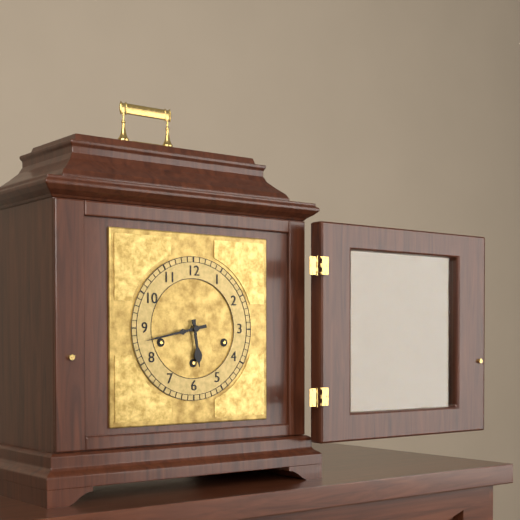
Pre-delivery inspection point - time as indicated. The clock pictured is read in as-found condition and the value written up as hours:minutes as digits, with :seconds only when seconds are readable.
5:43
